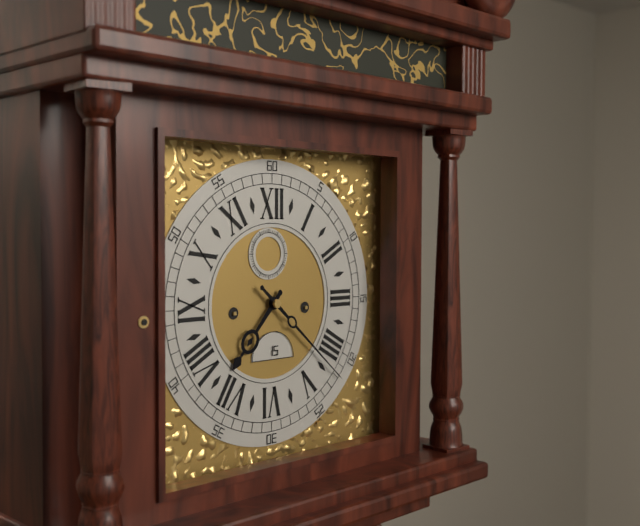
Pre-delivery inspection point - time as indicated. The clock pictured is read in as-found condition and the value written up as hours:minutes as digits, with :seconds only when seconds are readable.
7:22
